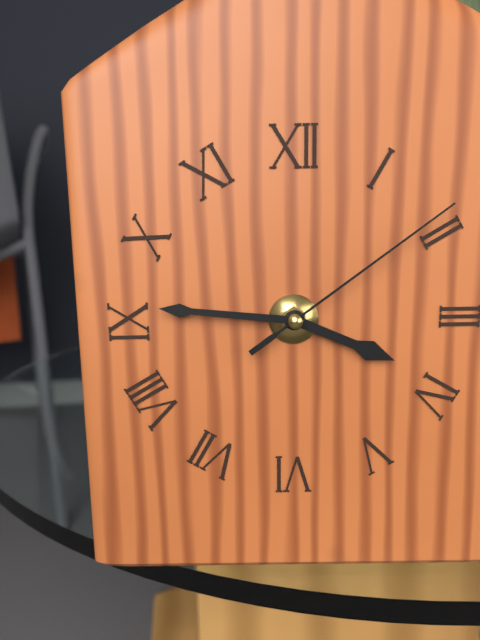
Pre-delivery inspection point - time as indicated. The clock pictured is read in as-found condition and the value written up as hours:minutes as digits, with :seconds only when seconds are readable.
3:46:09
